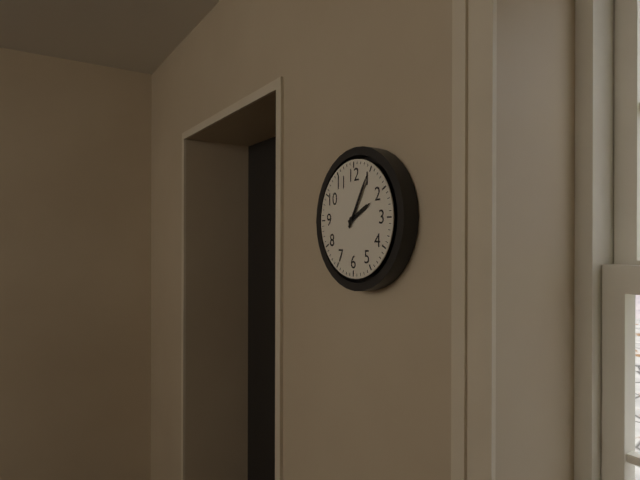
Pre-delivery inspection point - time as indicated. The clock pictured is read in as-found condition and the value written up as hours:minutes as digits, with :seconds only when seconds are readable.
2:05
